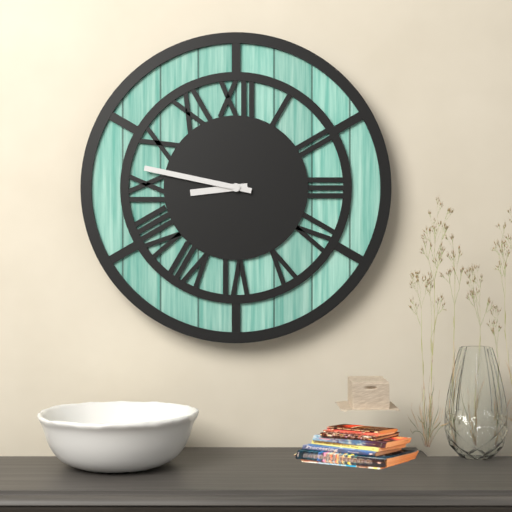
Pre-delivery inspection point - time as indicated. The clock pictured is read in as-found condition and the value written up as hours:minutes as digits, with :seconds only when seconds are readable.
8:47
